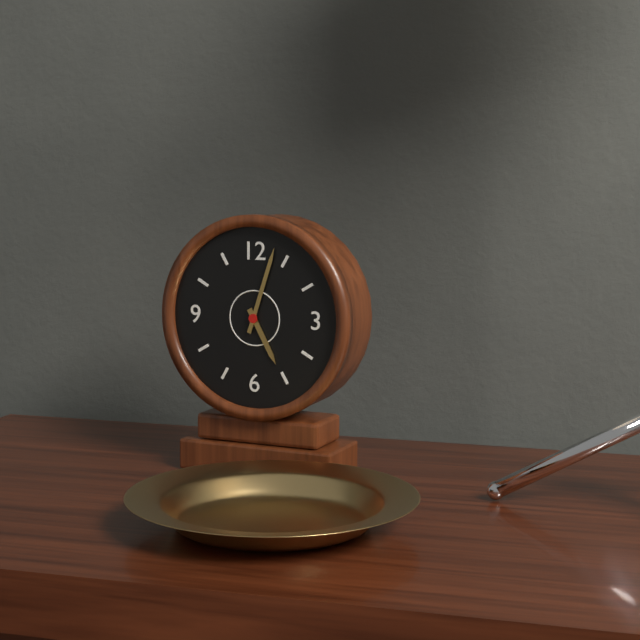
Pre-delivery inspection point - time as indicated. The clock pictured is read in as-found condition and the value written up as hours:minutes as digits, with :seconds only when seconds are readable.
5:03
